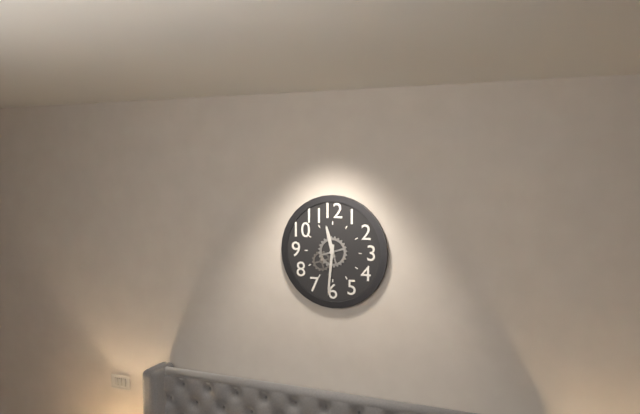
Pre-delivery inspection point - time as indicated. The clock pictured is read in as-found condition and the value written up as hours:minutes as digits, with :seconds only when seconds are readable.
11:31
